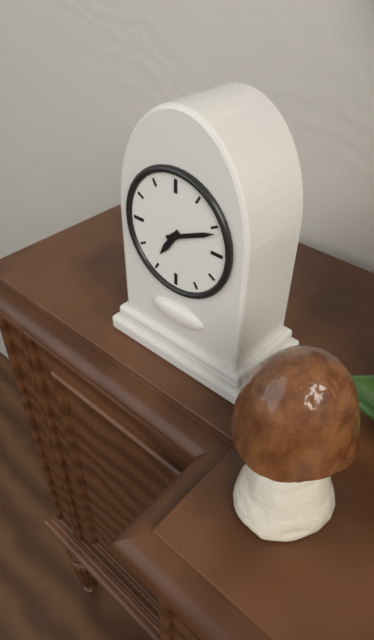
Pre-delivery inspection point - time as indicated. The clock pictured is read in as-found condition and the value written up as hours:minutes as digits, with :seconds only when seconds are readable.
7:11
